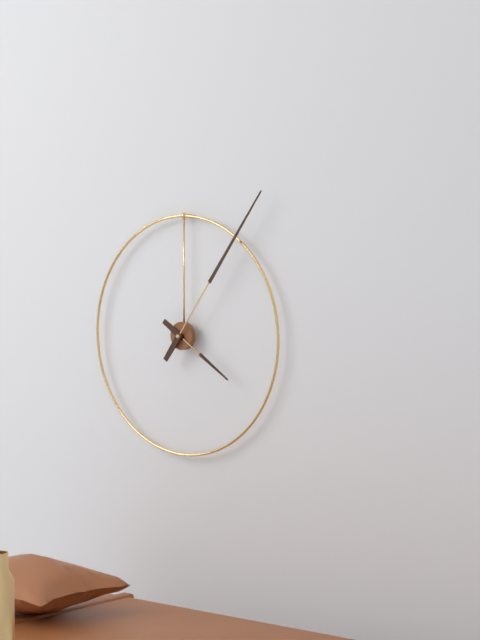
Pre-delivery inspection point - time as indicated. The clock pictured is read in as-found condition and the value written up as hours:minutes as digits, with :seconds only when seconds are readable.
4:06
